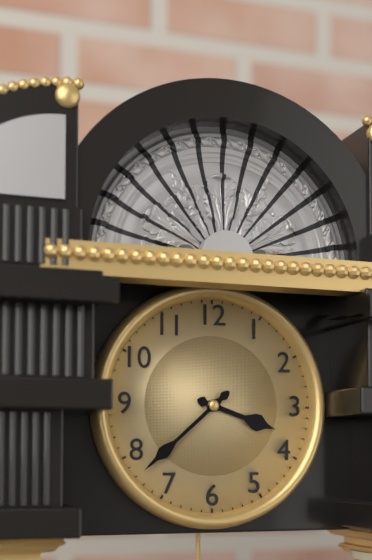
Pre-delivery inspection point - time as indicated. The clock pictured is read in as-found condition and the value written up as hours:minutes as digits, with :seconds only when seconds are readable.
3:38
